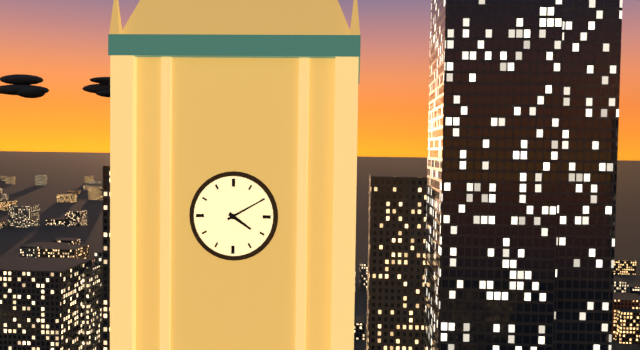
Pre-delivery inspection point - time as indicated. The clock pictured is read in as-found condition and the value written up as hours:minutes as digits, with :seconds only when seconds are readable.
4:10
